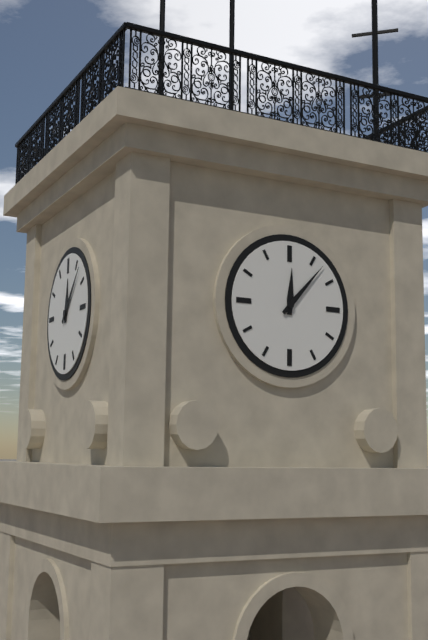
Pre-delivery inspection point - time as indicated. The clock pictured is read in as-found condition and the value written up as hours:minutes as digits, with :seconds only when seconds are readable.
12:07
